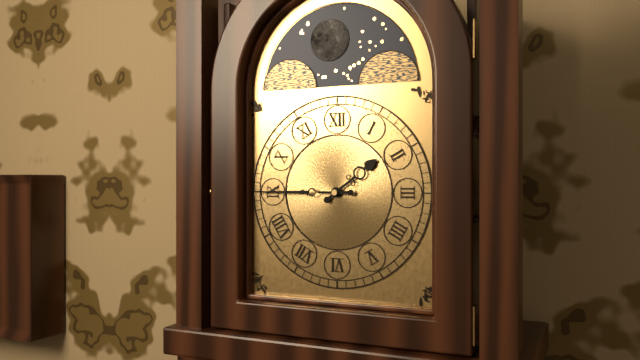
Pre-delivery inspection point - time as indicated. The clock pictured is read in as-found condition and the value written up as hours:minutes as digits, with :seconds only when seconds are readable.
1:45
